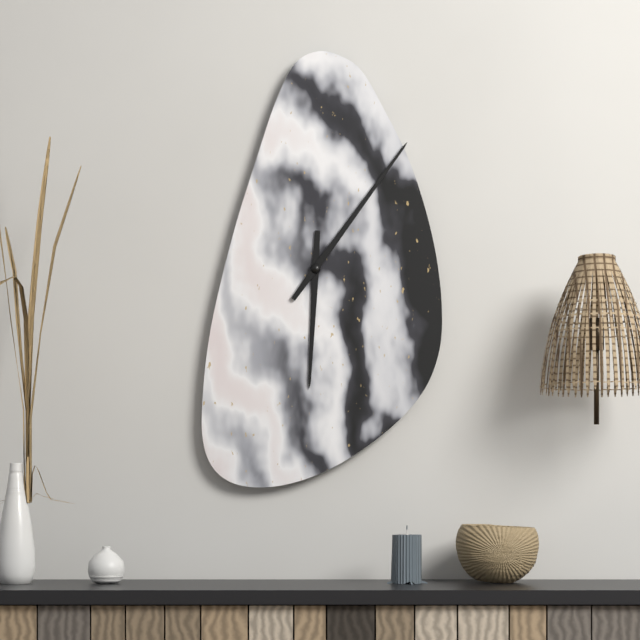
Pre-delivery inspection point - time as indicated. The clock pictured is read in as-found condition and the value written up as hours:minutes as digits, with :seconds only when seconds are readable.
6:06
